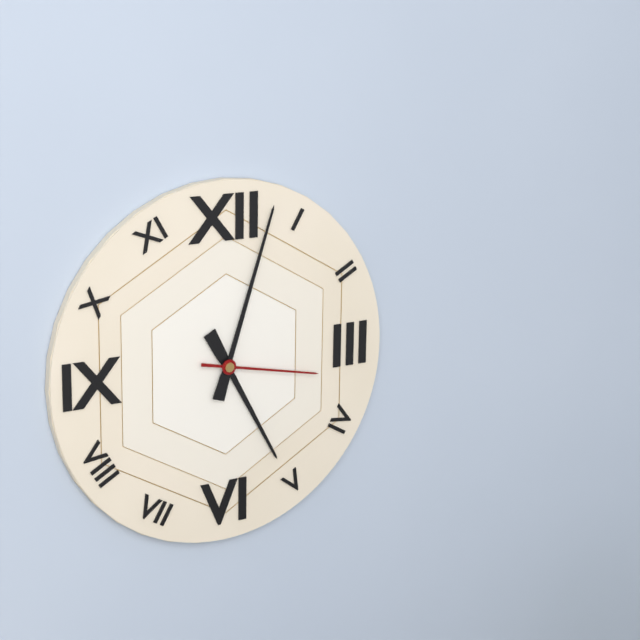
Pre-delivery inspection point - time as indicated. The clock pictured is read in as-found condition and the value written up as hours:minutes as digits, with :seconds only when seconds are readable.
5:03:17
